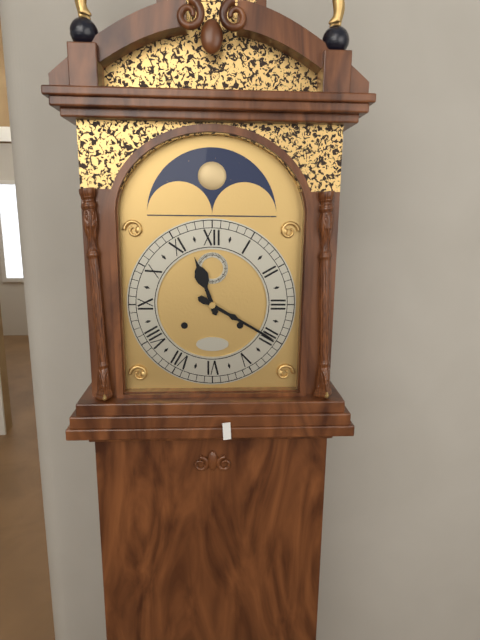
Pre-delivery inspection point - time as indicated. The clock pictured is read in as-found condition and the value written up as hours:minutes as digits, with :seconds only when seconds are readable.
11:20
